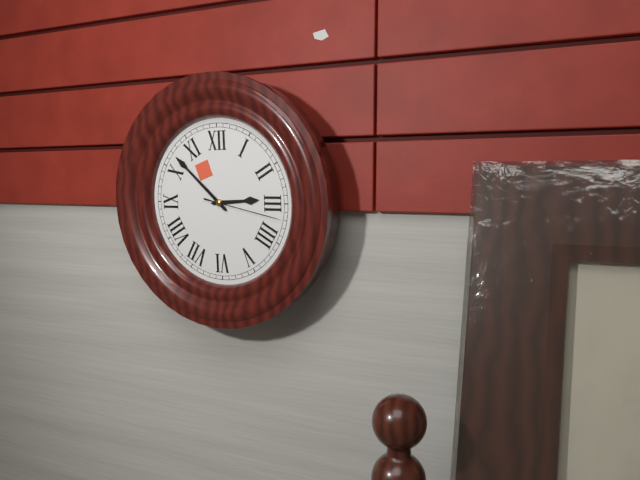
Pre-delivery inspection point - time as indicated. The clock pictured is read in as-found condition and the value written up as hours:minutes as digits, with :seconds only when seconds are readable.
2:52:17
